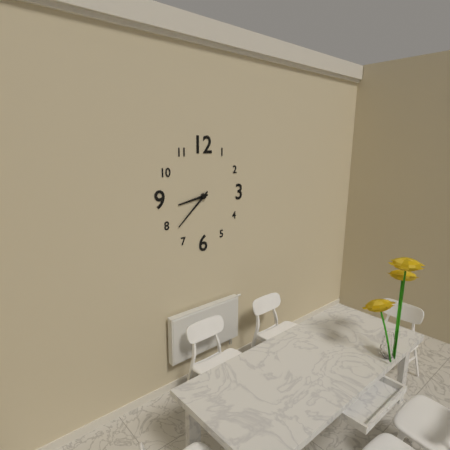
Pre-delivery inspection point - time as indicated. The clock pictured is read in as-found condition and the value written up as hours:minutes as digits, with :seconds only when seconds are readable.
8:38
